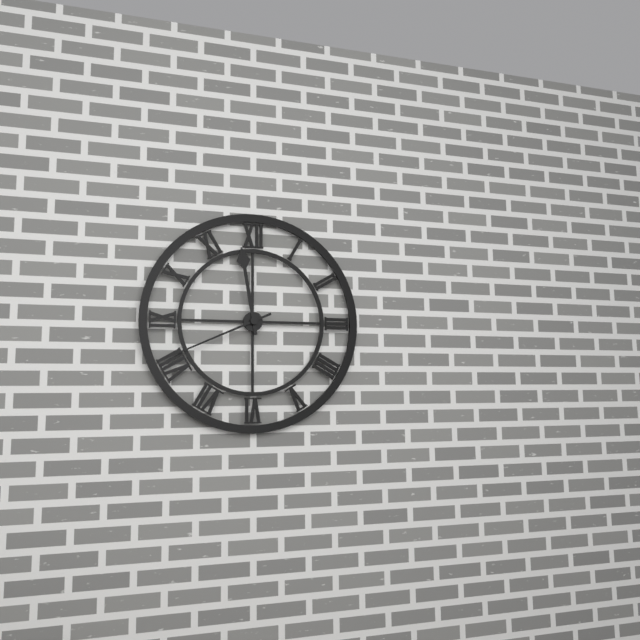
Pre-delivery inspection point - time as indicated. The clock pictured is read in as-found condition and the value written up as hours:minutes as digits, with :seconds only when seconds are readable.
11:41
